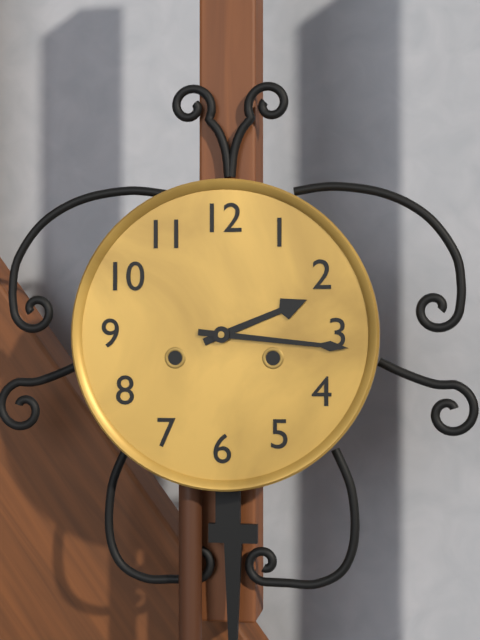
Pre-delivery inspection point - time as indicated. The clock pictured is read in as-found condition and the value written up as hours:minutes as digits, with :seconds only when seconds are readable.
2:16
